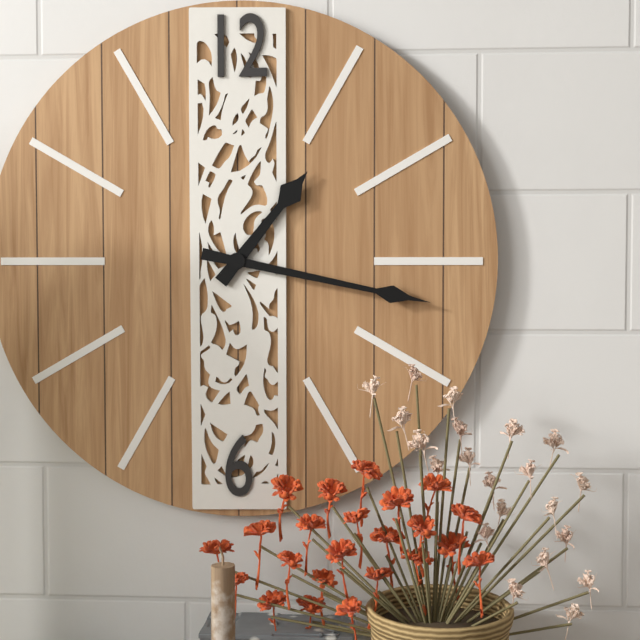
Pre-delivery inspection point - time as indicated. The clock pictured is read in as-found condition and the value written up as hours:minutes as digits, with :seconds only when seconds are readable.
1:17
